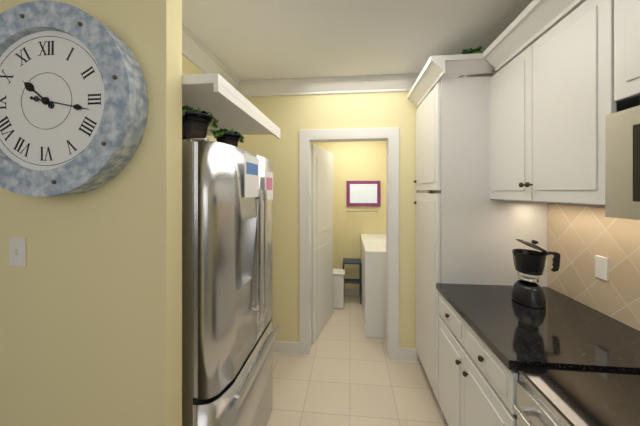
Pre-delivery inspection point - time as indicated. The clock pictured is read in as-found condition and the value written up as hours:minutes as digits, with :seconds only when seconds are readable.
10:17
